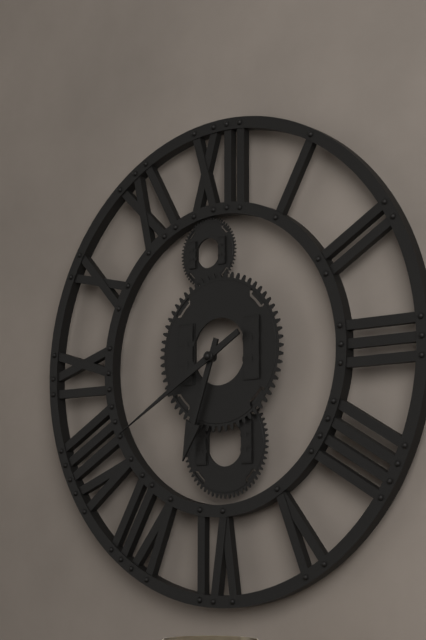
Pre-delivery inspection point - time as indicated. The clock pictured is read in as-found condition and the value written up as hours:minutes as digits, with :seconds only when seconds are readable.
6:40
